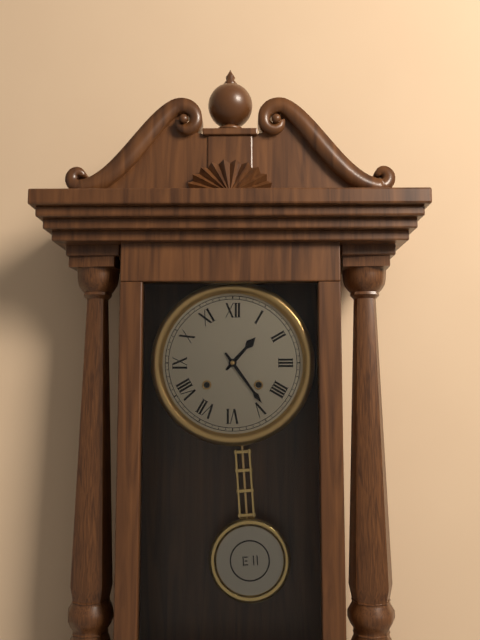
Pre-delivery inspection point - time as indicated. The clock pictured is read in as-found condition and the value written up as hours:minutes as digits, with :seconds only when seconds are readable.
1:24
